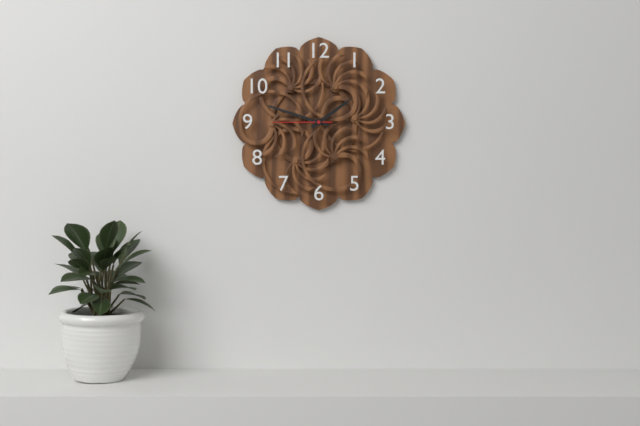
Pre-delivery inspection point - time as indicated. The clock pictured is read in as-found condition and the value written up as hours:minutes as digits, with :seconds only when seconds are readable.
1:48:45
